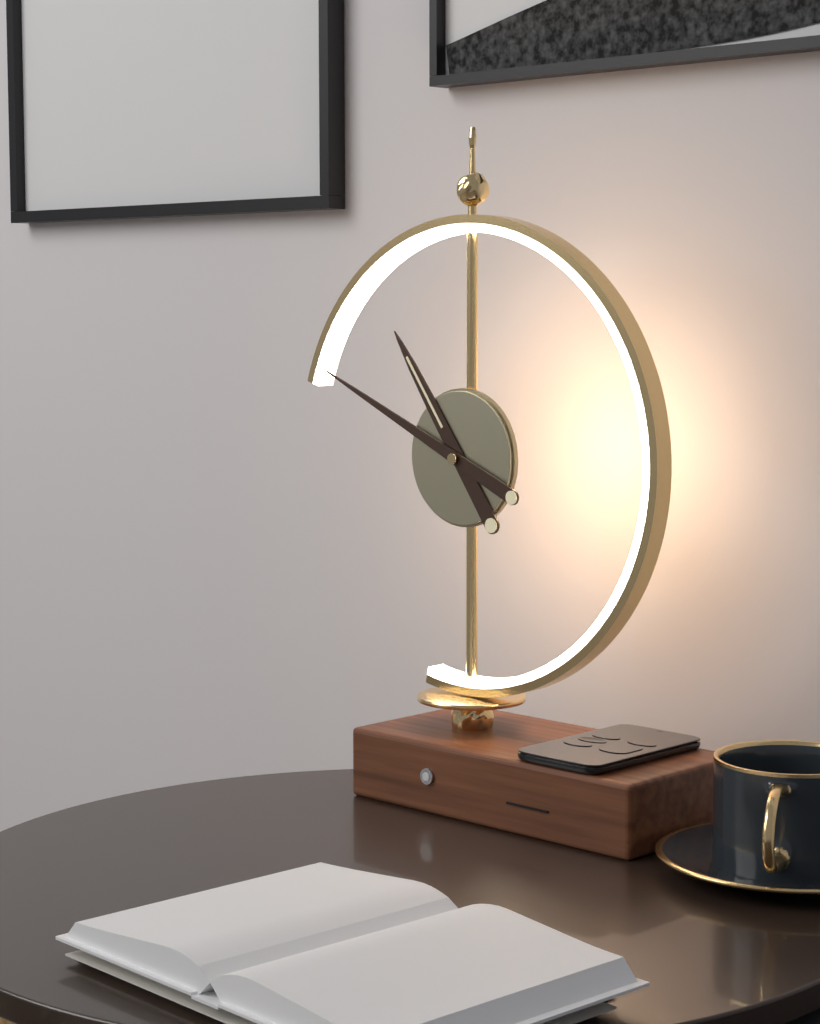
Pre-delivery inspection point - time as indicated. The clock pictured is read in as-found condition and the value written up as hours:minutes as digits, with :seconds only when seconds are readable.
10:49
